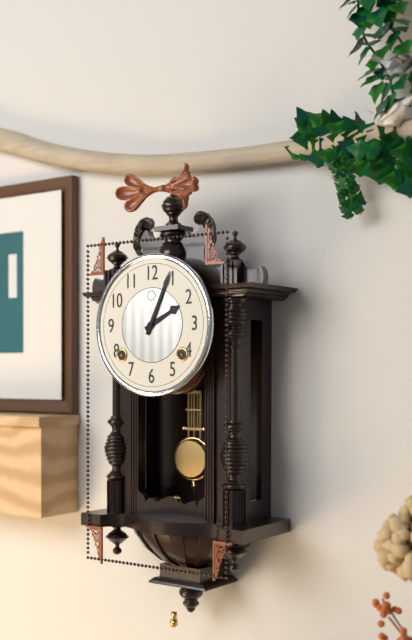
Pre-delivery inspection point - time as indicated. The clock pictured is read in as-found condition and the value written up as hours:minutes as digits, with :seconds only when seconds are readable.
2:04
